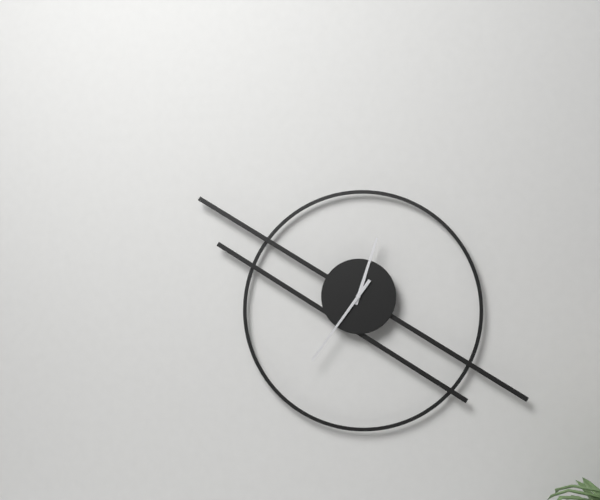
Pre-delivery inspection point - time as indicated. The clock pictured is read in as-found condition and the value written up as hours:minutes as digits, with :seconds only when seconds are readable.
12:36
